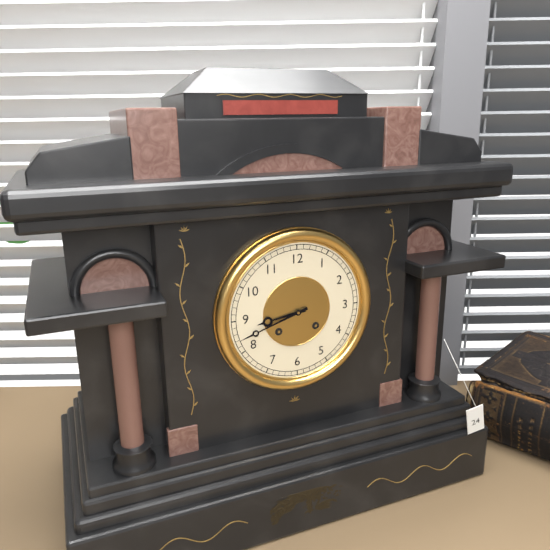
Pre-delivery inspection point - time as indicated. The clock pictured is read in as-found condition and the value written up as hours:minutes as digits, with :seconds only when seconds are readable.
8:42
